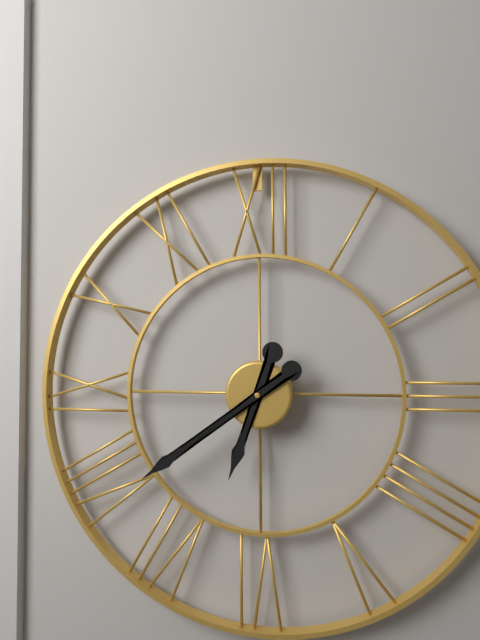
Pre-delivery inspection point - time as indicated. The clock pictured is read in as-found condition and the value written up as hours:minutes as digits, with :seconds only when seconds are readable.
6:39
